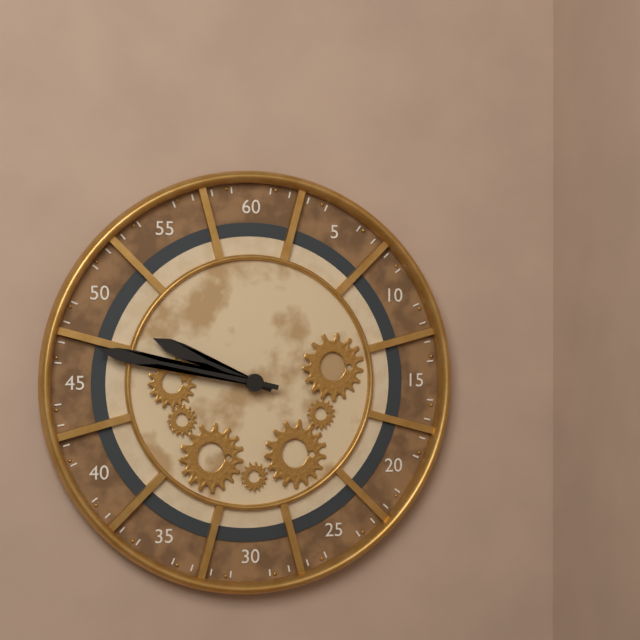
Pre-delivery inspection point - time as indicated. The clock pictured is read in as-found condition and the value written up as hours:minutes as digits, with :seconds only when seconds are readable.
9:47
